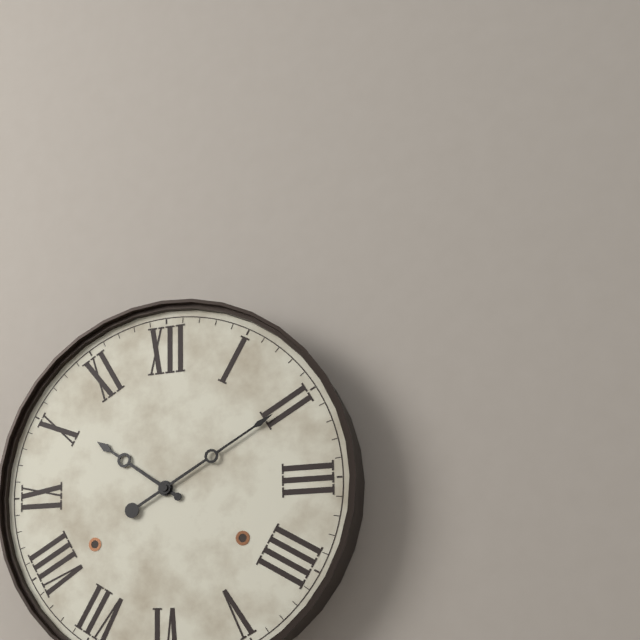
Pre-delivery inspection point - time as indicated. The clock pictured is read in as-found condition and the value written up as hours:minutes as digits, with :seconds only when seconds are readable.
10:10
